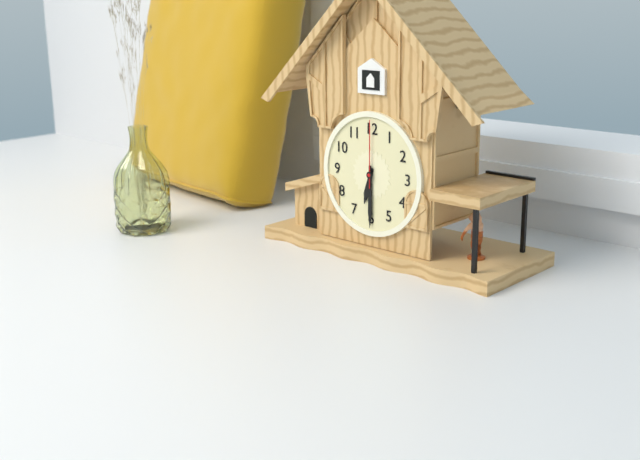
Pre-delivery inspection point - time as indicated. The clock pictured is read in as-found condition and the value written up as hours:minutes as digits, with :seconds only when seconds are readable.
6:30:00
